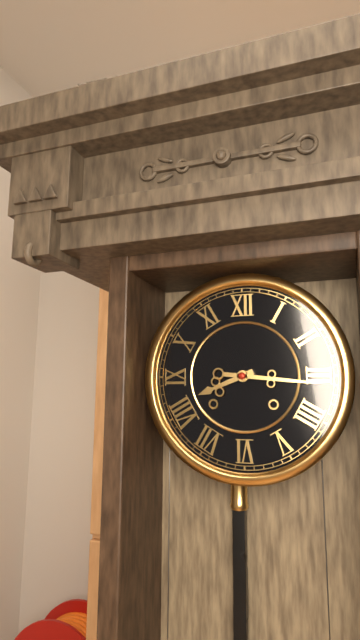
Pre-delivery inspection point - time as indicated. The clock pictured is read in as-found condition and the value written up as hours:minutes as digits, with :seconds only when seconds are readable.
8:16
